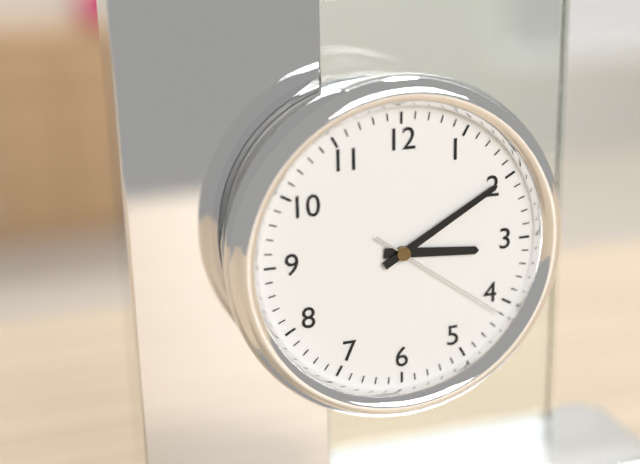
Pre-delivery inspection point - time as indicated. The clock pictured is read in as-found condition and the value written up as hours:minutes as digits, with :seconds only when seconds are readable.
3:10:21
